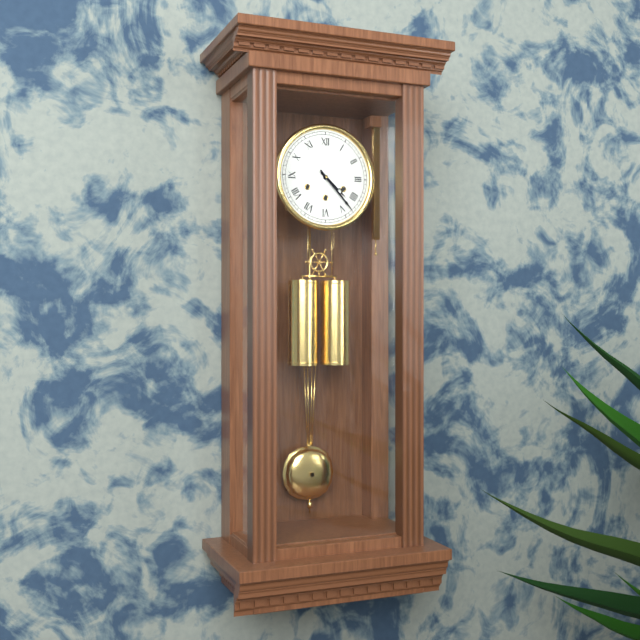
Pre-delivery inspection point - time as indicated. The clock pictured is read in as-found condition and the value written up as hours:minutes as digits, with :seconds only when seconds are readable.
4:23
